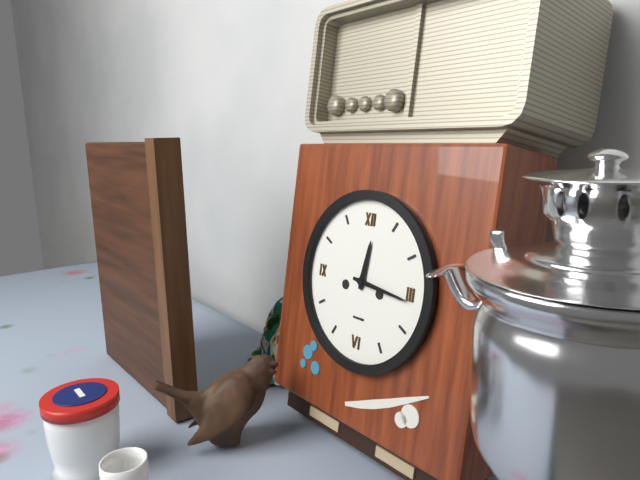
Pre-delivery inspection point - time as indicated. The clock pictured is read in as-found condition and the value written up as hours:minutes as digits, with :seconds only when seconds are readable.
12:16
